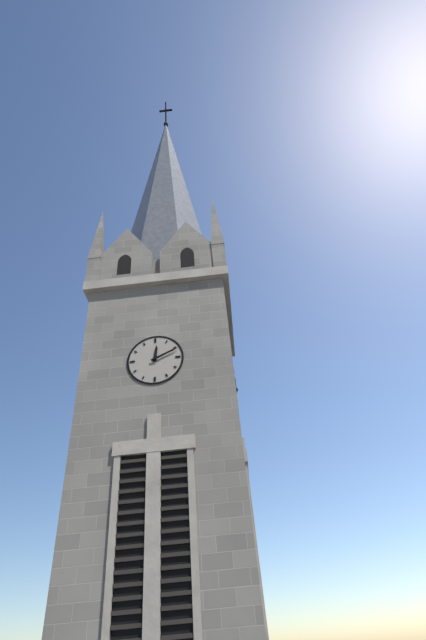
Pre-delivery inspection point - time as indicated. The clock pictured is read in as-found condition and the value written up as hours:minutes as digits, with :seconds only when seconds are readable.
12:11
